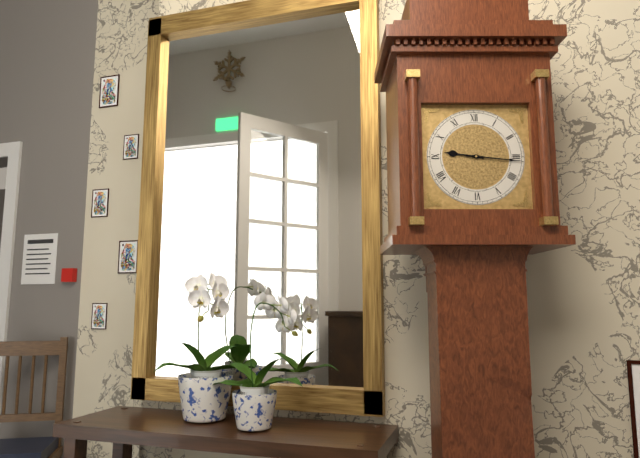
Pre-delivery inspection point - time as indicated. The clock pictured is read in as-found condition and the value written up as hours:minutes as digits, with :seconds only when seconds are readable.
9:16
